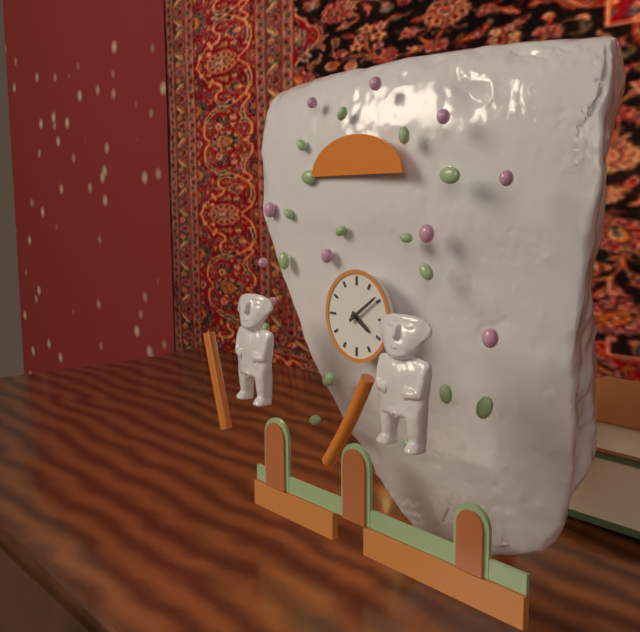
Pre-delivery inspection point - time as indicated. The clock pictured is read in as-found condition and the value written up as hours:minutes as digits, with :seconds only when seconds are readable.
4:09
